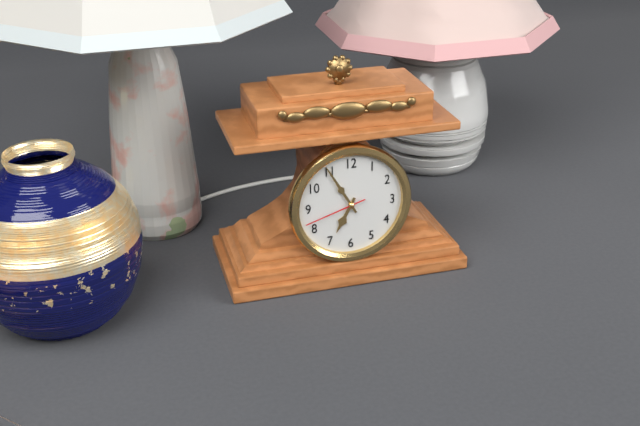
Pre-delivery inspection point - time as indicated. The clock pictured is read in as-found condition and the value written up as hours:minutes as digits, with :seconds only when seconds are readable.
6:55:42
